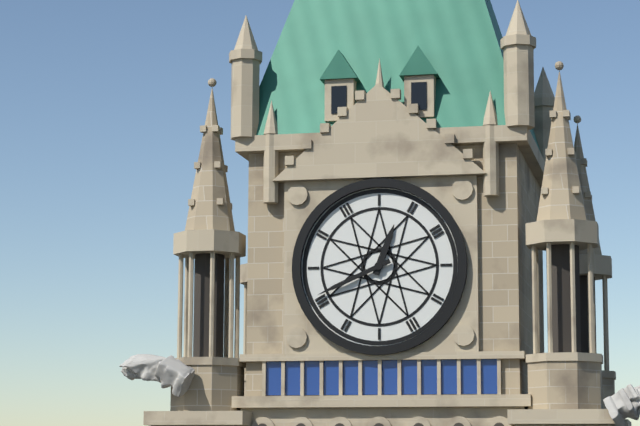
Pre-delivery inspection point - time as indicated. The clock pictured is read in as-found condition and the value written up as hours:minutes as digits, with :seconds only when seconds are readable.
12:41
